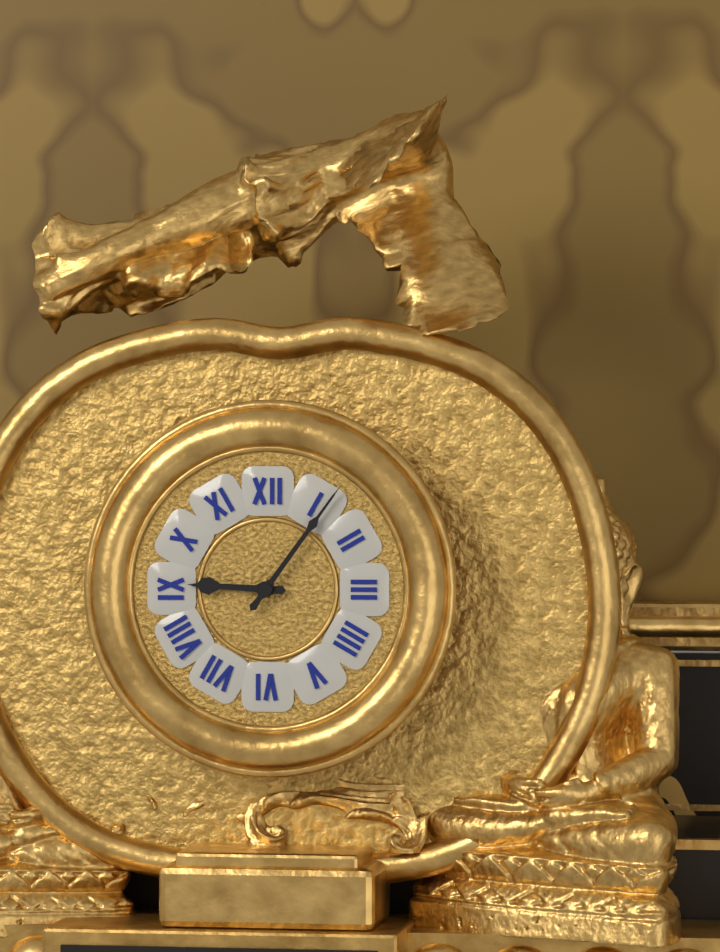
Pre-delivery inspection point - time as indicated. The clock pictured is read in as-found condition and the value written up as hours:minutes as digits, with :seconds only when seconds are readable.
9:06
